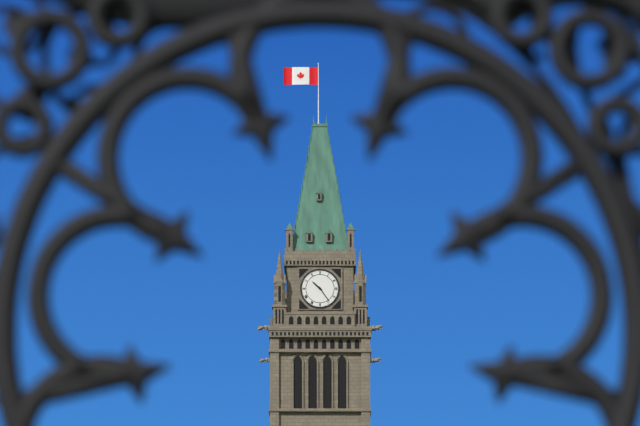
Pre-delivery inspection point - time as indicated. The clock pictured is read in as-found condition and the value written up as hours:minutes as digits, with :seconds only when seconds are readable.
10:24
